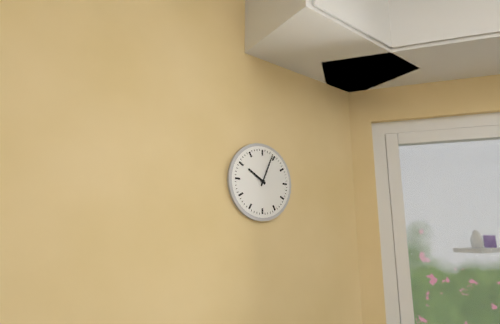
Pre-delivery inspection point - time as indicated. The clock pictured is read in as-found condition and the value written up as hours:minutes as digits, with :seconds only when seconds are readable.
10:04
